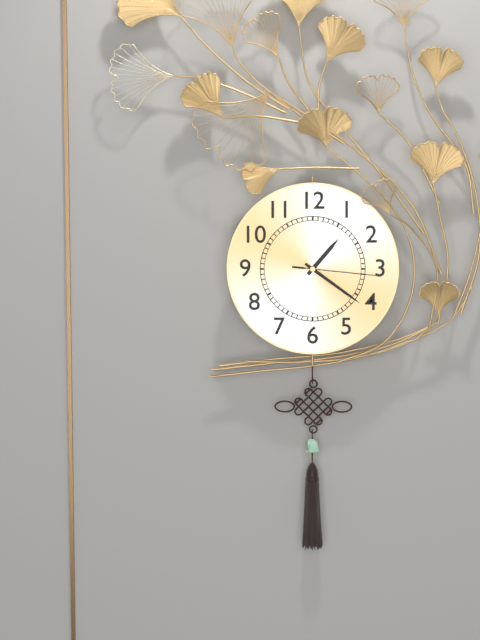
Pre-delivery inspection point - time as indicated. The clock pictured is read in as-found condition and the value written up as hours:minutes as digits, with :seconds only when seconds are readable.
1:21:16
